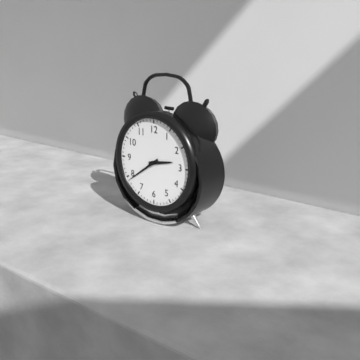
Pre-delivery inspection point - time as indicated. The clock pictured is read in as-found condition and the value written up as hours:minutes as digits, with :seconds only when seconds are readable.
2:39
